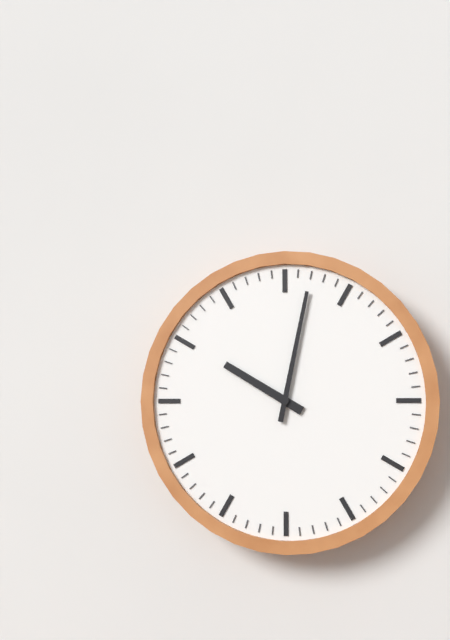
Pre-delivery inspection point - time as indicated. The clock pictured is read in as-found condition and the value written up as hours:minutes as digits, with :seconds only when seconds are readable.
10:02
